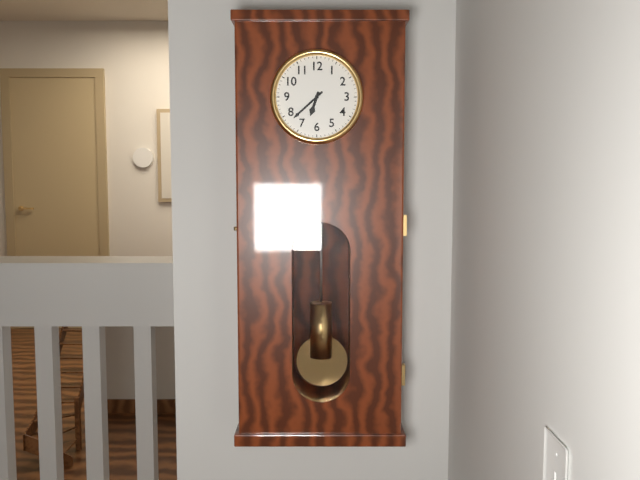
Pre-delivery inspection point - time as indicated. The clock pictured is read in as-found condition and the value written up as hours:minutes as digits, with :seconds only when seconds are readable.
6:38
